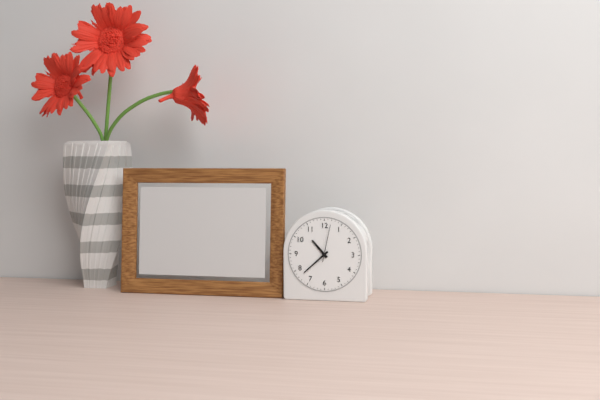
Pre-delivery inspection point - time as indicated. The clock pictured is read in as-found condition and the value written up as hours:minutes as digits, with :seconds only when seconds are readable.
10:38
